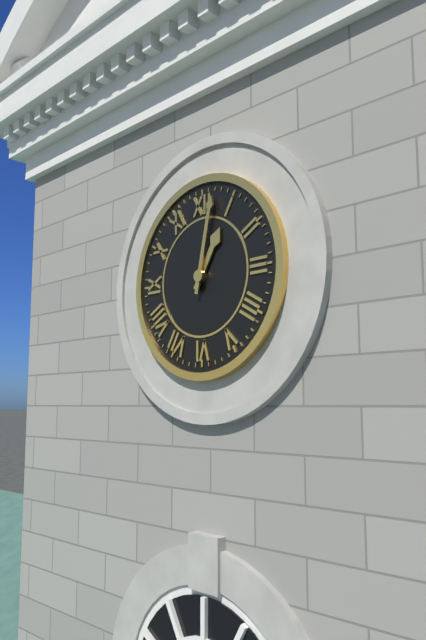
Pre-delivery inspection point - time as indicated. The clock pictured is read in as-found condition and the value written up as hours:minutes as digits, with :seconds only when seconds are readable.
1:02
